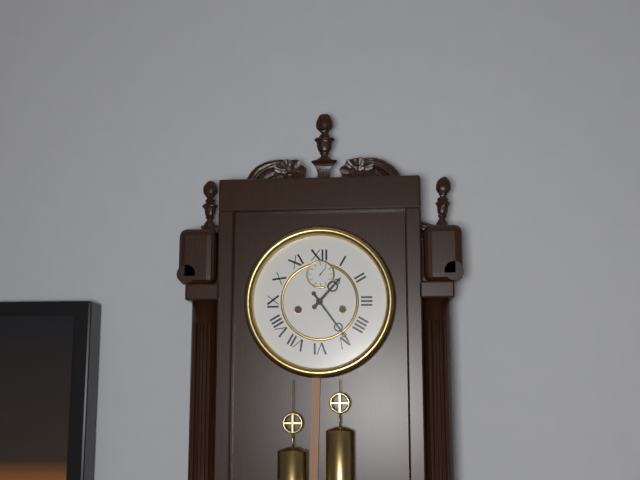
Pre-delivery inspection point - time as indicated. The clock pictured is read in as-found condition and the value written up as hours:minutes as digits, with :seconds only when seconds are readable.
1:24
